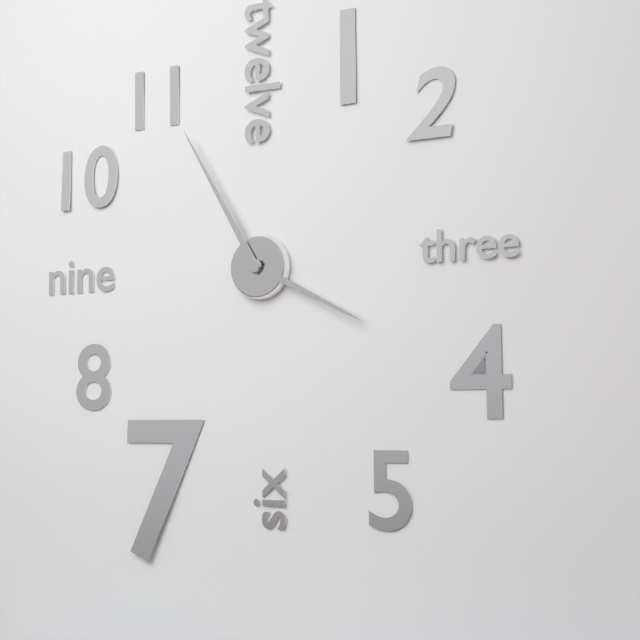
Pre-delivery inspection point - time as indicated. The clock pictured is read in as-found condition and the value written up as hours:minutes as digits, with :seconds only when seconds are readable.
3:55
